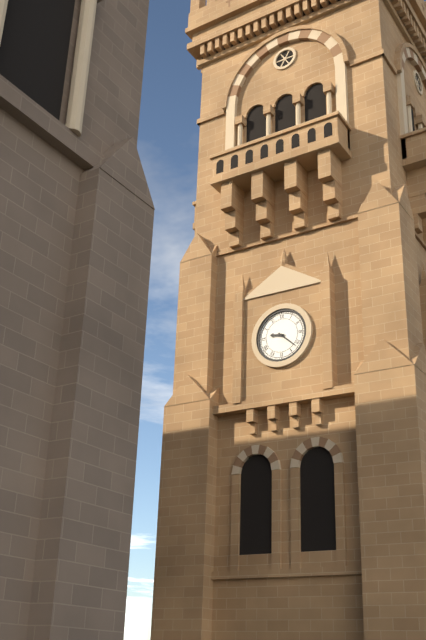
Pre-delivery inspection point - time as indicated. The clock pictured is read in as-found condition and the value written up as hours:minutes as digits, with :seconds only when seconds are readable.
9:22
